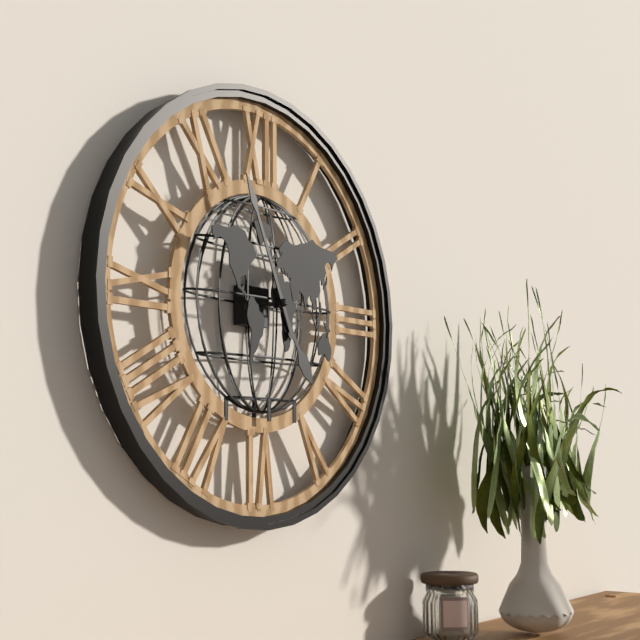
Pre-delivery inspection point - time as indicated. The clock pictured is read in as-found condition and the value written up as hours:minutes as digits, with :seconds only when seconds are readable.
4:56
